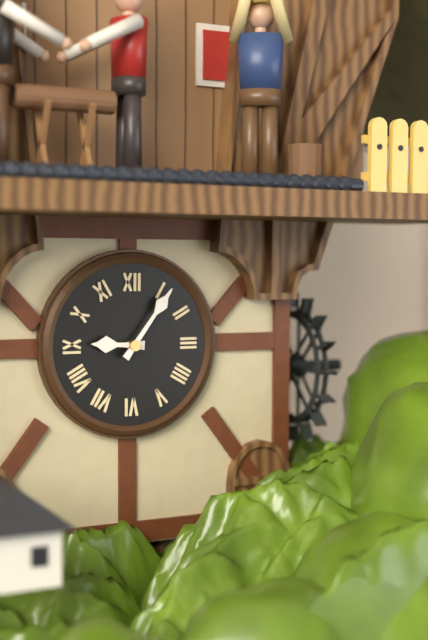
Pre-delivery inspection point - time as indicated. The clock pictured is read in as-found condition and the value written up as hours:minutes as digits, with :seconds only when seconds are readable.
9:06
